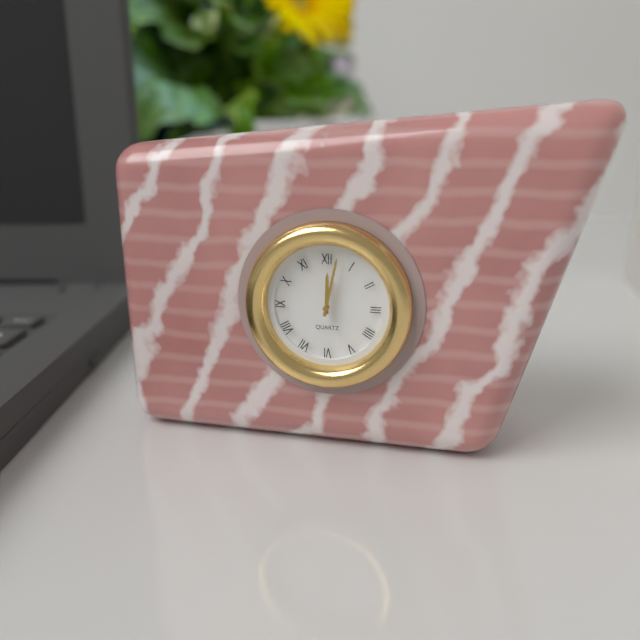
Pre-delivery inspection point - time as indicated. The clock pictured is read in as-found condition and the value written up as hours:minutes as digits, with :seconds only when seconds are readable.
12:02
